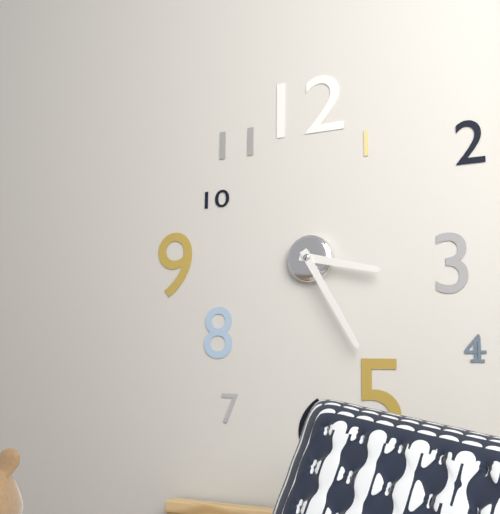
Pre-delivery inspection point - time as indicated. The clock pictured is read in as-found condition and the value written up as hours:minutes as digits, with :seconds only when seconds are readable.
3:25
